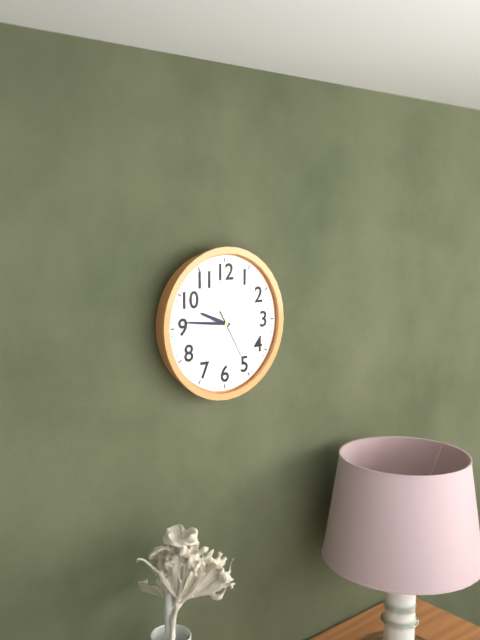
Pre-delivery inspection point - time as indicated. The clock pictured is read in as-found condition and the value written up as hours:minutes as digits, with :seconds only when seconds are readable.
9:46:25
